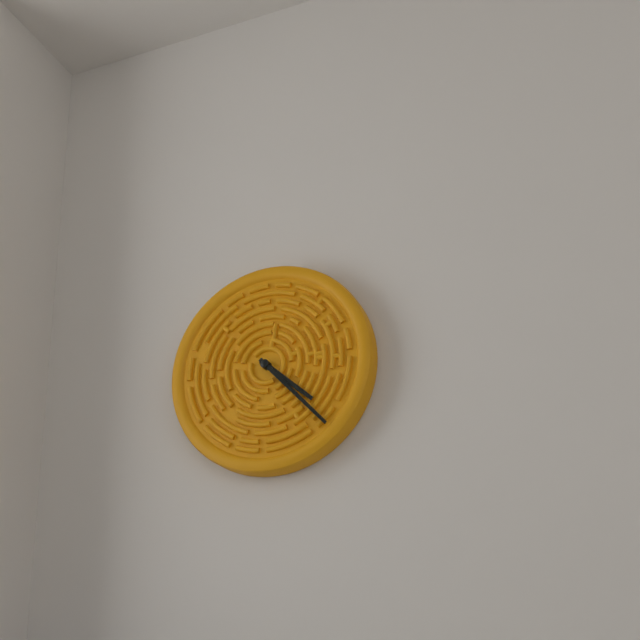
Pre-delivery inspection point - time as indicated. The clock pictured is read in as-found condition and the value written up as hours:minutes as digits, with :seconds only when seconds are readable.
4:23
